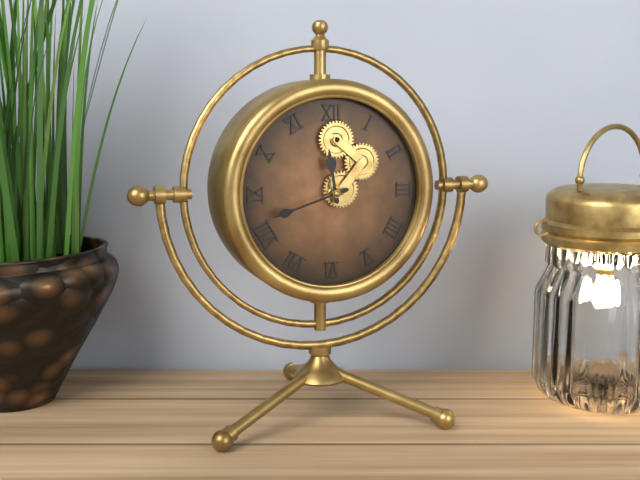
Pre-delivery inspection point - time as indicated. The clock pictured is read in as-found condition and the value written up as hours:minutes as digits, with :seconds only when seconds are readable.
11:42
